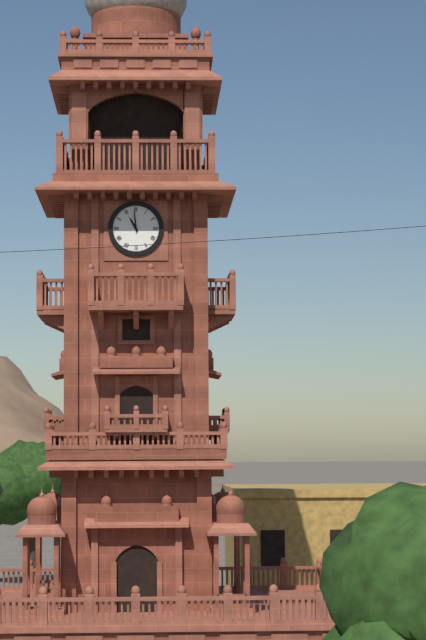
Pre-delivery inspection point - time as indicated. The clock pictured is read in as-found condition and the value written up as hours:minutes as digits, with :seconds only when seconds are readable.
10:59
